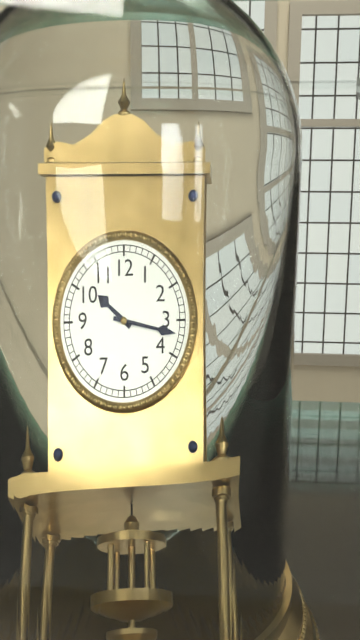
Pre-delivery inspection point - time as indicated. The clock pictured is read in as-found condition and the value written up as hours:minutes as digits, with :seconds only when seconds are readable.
10:17
